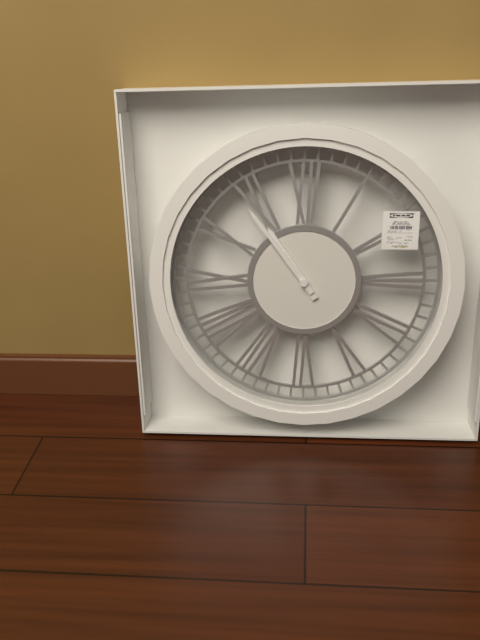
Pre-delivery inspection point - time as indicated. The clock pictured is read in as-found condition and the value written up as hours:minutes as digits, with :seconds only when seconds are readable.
10:54
